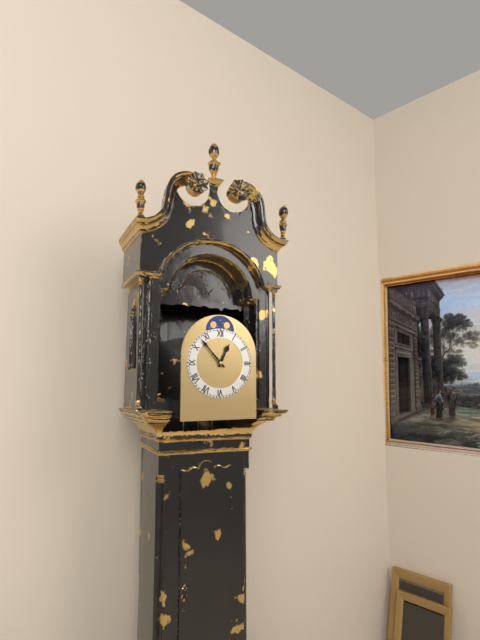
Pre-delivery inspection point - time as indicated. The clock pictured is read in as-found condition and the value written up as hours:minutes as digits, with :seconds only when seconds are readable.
12:53
